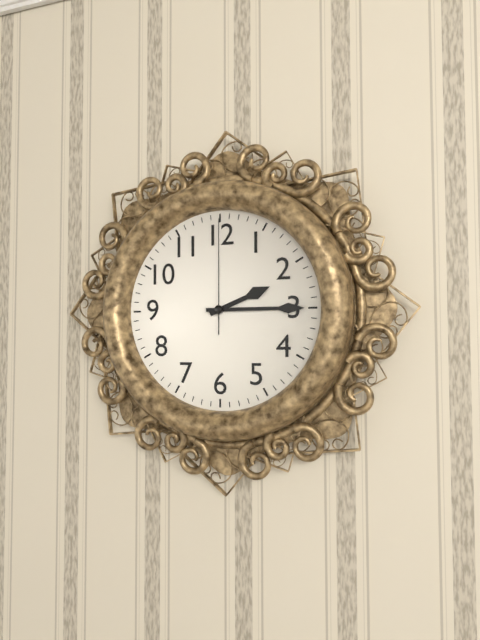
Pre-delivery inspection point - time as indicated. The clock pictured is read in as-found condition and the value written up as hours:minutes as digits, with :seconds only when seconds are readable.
2:15:00
